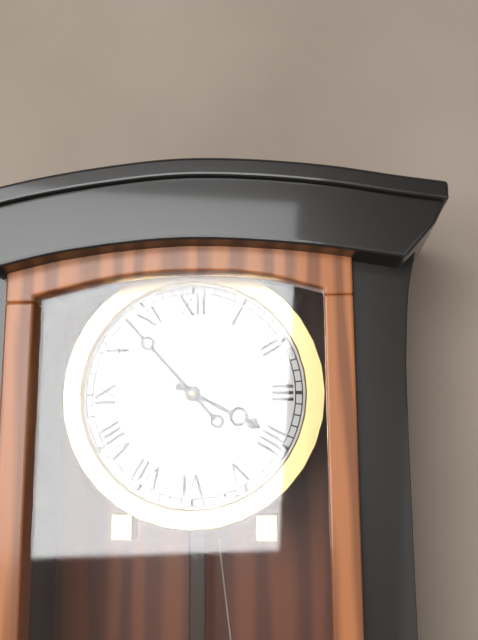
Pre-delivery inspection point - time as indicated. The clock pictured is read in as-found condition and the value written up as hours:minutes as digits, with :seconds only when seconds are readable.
3:53
